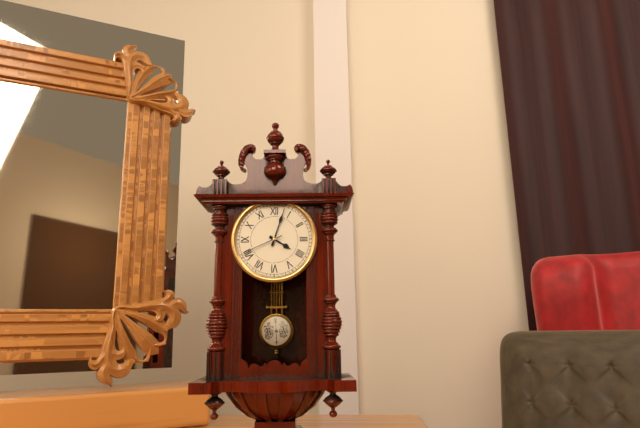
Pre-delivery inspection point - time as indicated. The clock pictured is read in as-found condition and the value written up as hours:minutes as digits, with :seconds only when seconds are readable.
4:03
